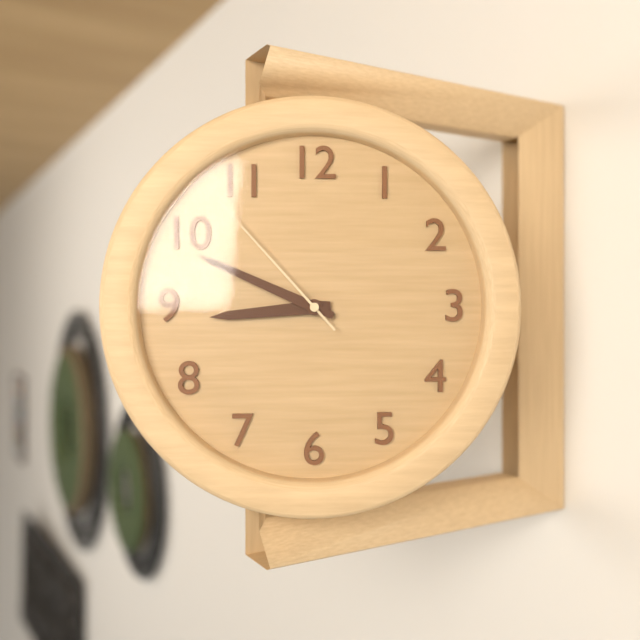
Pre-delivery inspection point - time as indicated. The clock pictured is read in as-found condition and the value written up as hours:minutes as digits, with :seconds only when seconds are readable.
8:49:53
